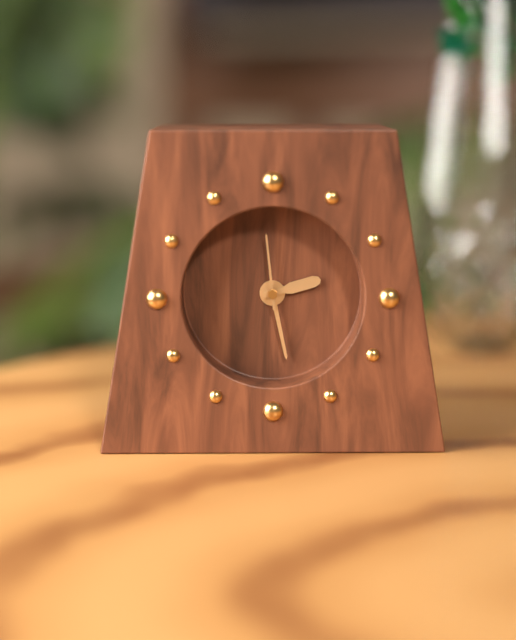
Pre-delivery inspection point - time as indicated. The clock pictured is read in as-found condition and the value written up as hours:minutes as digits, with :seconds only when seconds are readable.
2:28:59
